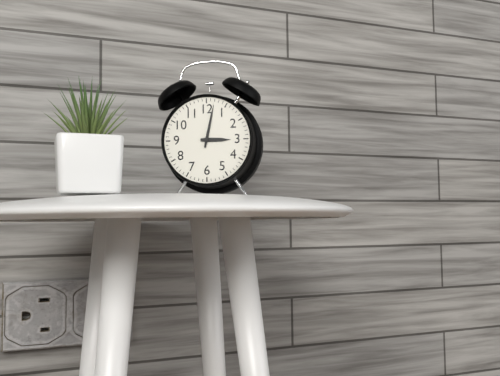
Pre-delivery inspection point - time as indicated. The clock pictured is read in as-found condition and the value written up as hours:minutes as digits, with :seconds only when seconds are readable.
3:02
